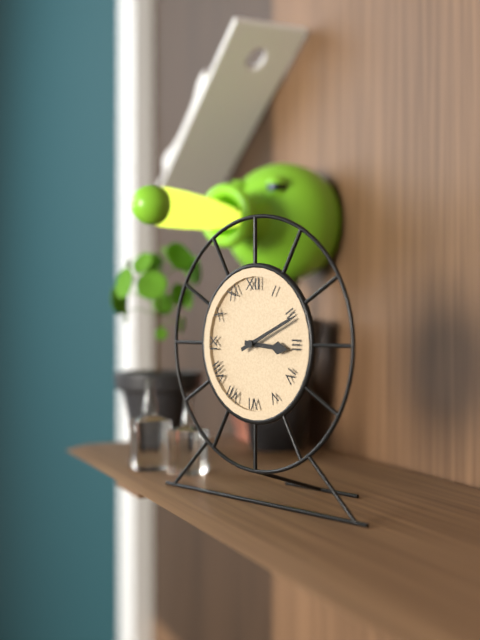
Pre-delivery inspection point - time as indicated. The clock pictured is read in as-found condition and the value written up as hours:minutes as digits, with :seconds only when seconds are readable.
3:11
